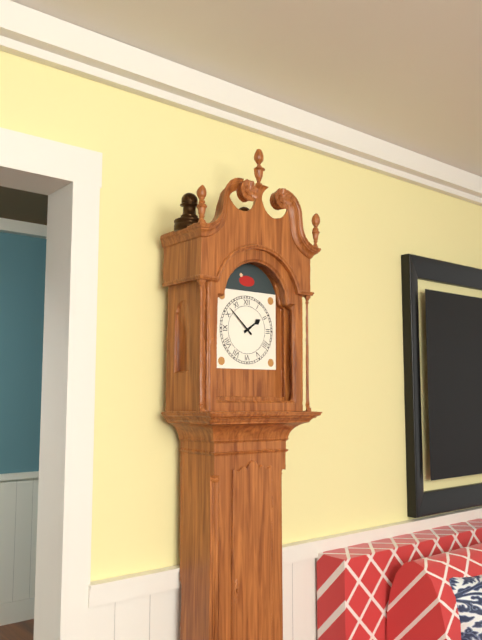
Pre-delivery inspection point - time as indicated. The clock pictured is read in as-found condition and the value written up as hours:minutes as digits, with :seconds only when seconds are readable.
1:52
